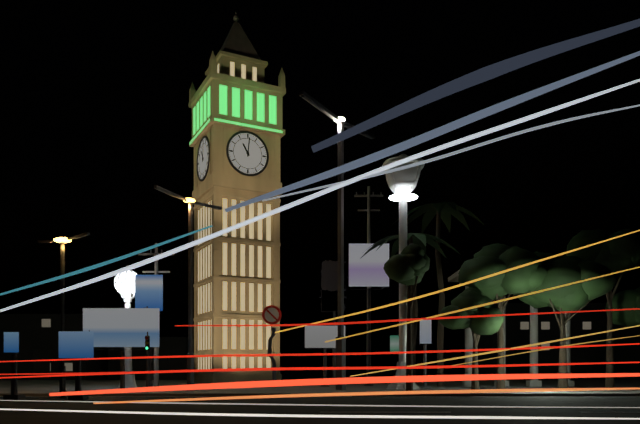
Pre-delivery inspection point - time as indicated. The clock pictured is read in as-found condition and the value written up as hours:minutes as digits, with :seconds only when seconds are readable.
11:01
